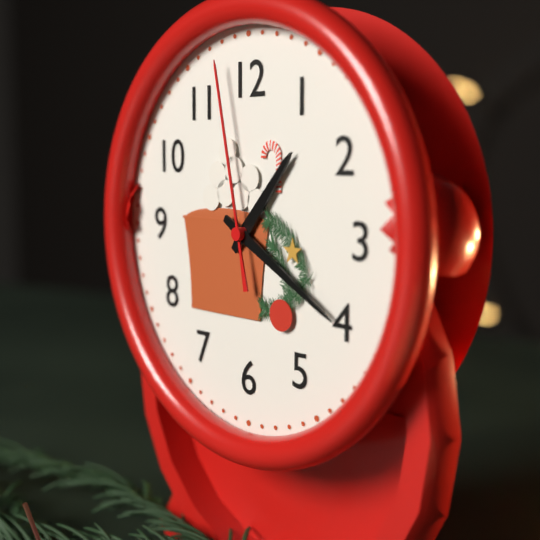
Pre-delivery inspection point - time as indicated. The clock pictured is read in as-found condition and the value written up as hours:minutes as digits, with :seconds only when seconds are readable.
1:20:58
